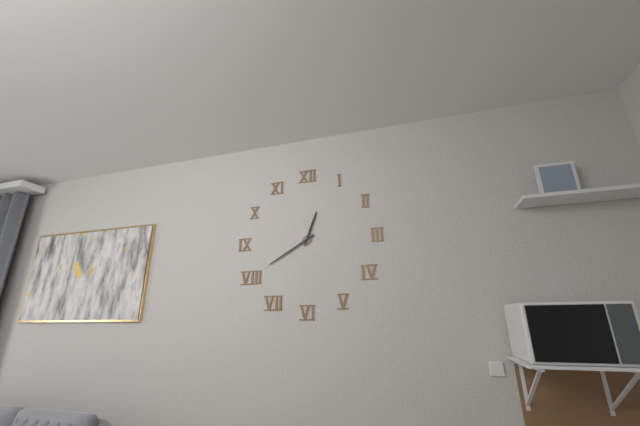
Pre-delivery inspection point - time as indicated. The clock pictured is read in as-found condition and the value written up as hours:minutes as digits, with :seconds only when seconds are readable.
12:40
